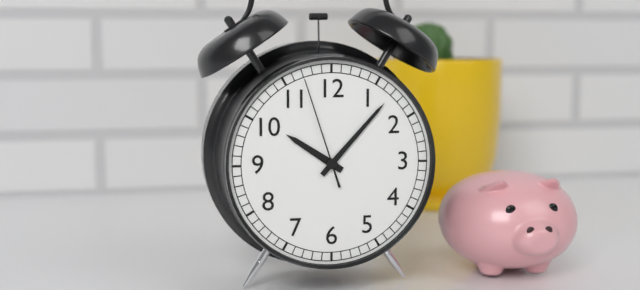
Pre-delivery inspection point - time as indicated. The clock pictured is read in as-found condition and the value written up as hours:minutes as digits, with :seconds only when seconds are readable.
10:07:57
